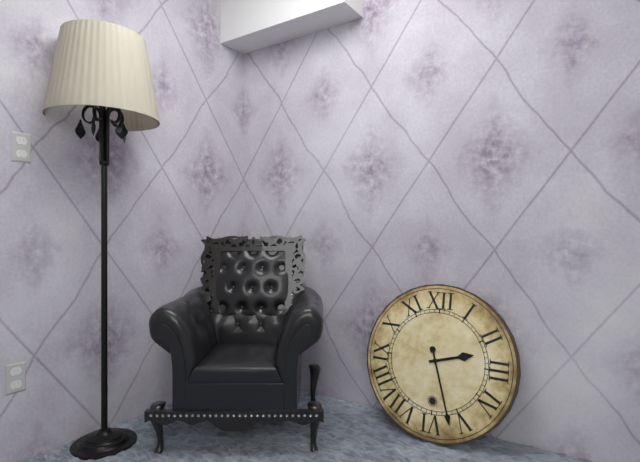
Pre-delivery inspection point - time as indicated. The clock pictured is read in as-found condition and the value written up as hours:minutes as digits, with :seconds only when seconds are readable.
2:27
